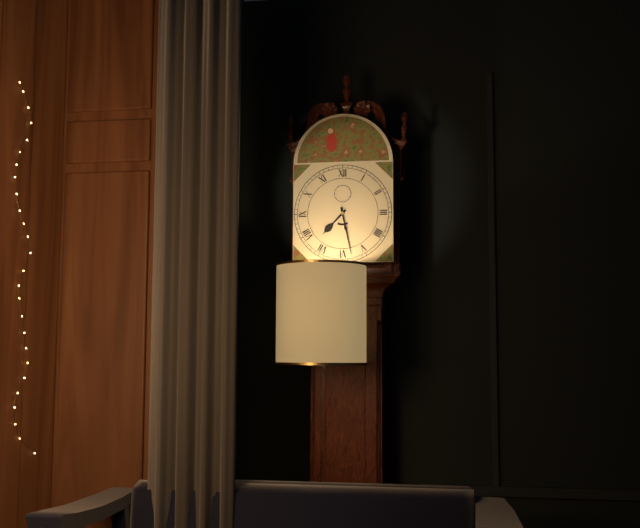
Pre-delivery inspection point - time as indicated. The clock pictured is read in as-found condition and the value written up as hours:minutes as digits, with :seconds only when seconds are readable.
7:28
